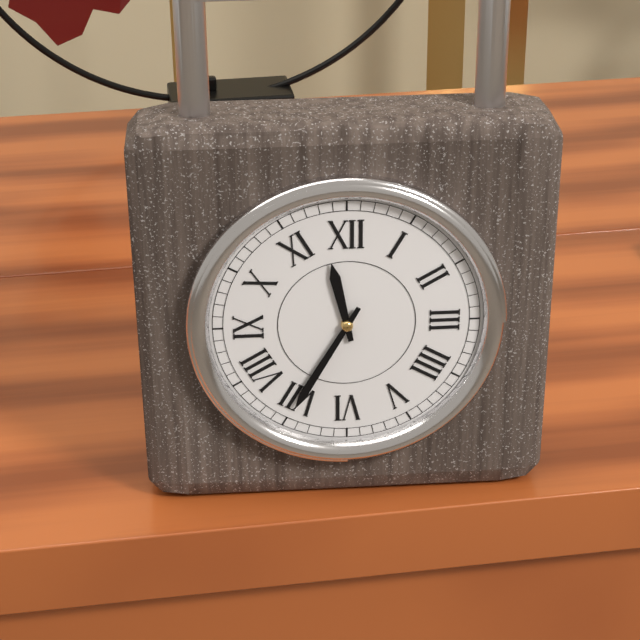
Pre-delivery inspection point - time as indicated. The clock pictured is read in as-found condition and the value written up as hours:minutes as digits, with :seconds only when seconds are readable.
11:35
